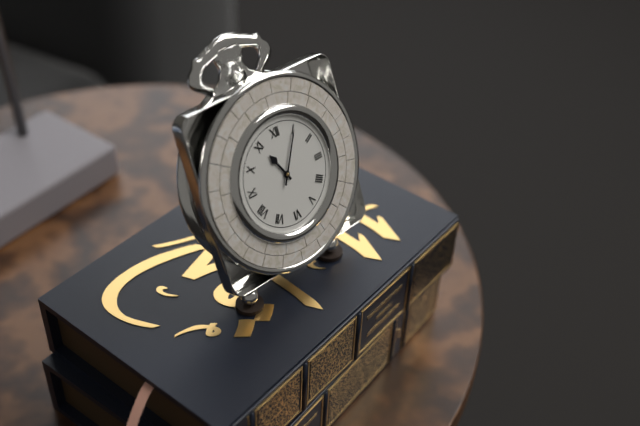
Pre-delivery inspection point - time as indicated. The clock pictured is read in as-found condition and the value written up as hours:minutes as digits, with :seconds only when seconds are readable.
11:05
